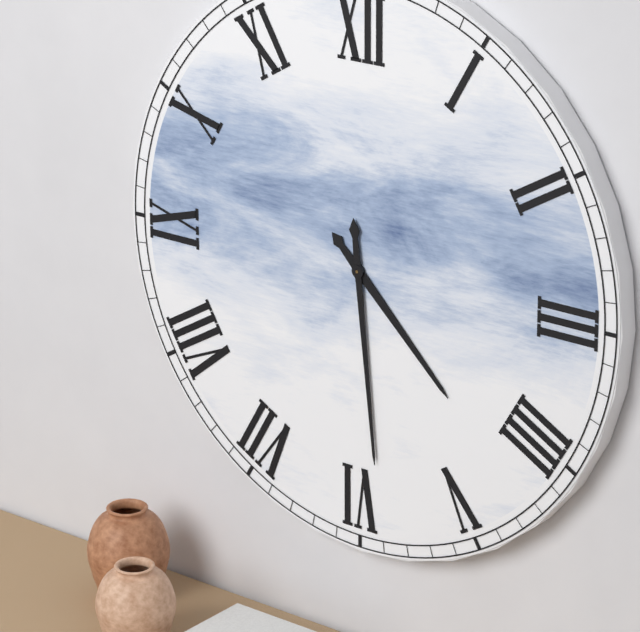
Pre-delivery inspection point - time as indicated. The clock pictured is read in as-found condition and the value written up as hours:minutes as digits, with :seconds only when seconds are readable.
4:29
